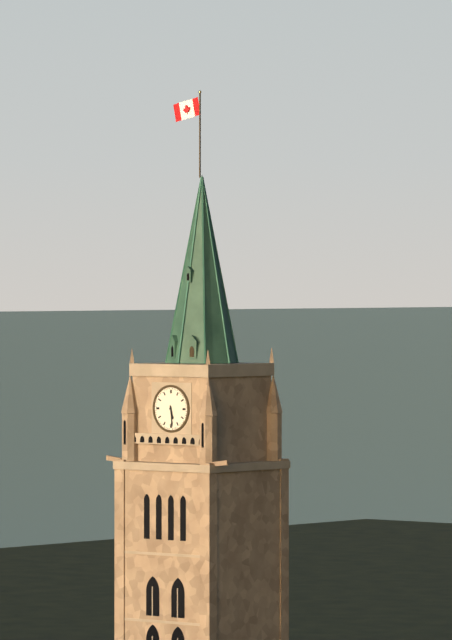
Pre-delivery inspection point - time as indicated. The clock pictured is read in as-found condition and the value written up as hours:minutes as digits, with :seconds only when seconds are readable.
5:29
